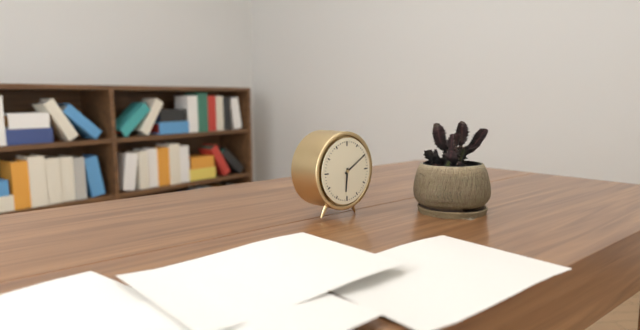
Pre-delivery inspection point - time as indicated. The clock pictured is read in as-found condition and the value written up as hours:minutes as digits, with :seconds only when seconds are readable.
6:10
